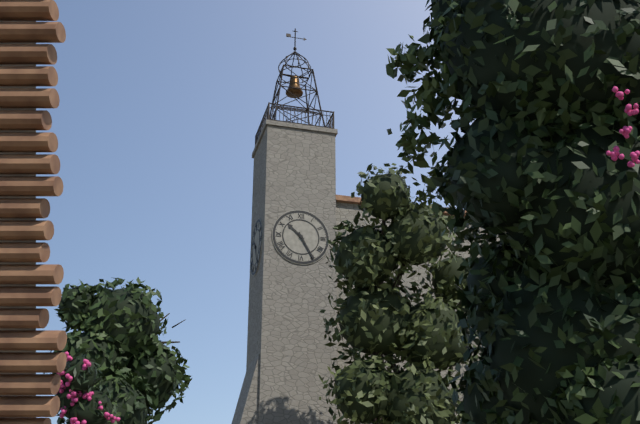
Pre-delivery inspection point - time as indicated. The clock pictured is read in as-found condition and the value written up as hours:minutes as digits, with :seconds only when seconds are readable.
10:25
